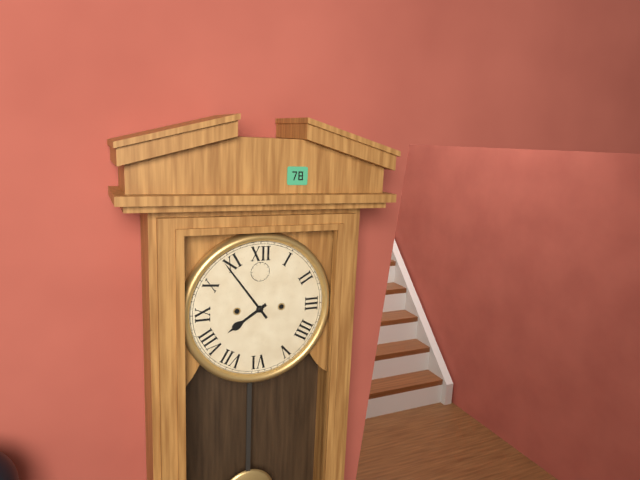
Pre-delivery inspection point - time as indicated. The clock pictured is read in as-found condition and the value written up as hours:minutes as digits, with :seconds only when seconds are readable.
7:54
